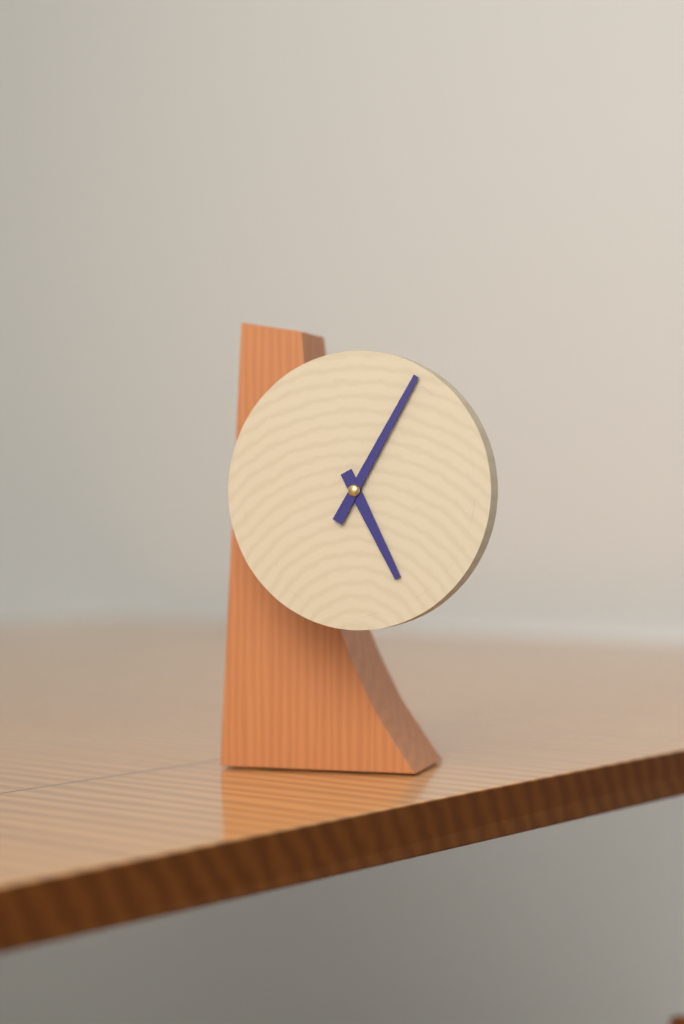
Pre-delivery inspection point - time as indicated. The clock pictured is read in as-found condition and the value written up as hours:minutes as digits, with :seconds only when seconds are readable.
5:05
